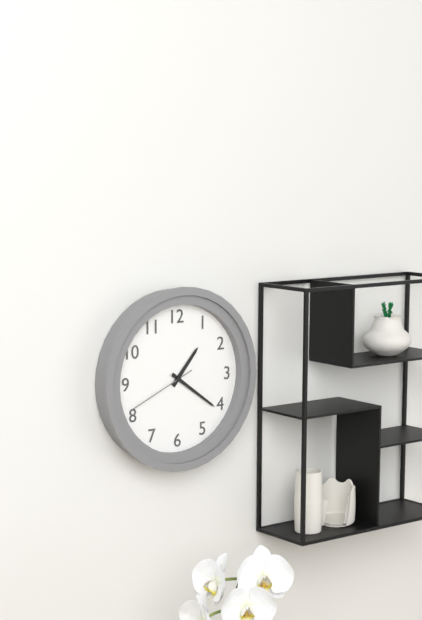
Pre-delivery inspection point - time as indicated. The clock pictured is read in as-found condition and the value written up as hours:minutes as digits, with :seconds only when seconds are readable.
1:21:41
